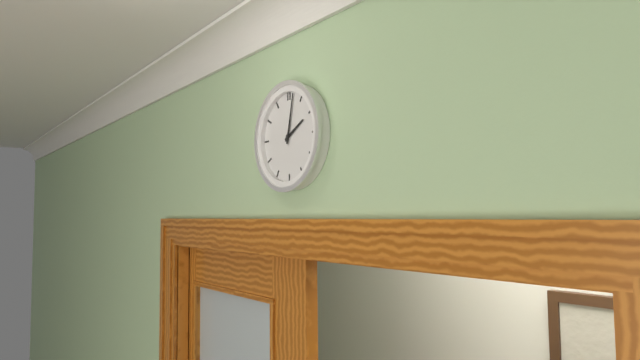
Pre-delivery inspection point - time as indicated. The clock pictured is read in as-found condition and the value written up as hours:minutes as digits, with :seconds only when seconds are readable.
2:02
